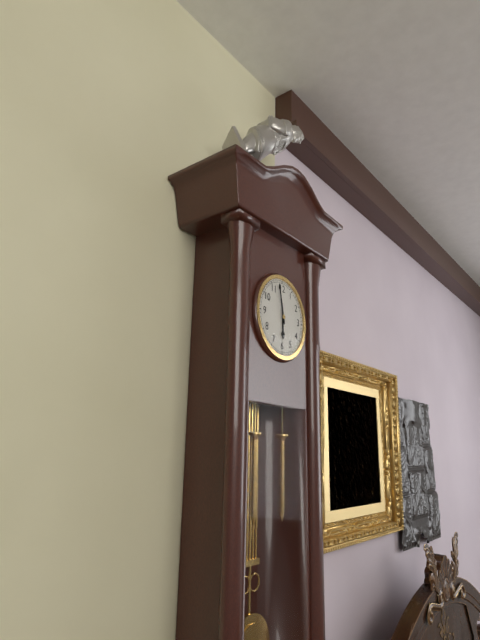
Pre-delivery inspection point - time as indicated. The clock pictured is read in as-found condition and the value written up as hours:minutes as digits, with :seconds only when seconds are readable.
5:58
